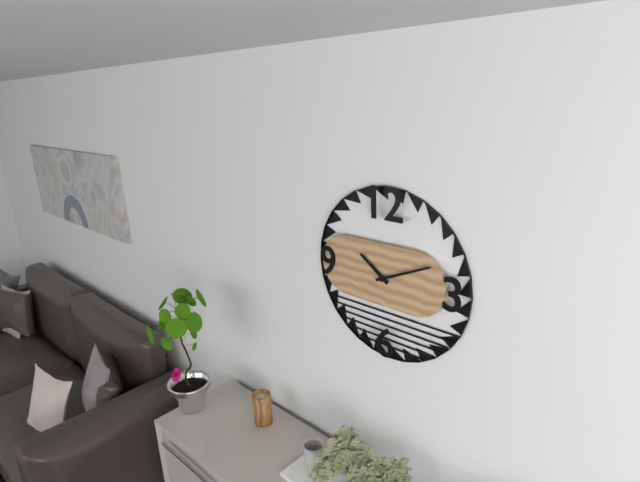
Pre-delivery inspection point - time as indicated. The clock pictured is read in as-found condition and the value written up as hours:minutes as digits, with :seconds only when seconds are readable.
10:11
